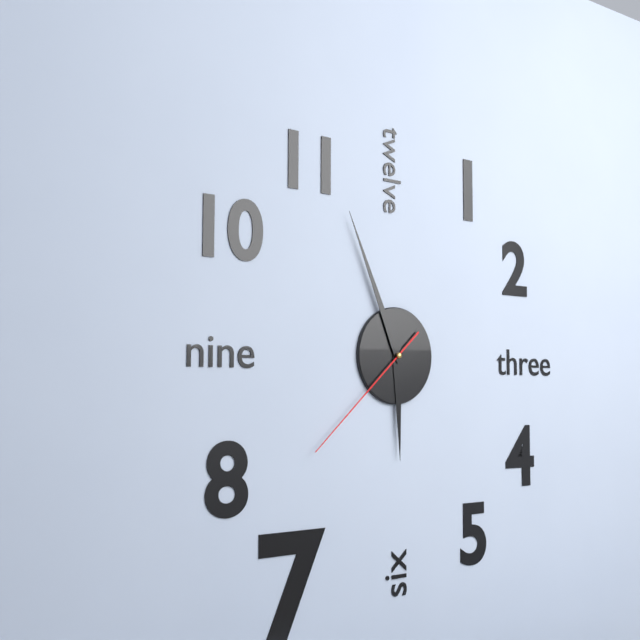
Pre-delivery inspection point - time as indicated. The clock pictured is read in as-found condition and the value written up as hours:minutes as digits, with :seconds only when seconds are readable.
5:56:38
